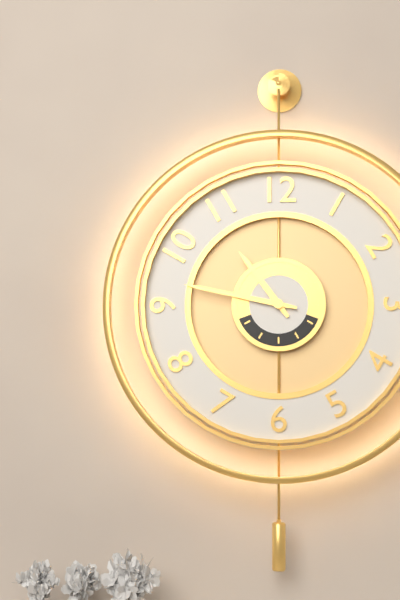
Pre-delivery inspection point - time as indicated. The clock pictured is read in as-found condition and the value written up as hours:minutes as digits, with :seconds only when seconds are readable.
10:47
